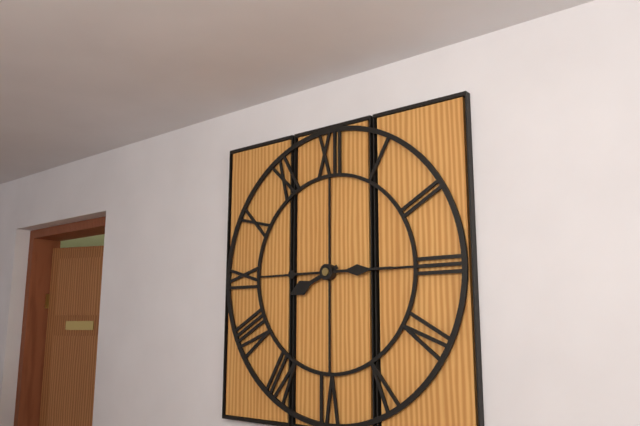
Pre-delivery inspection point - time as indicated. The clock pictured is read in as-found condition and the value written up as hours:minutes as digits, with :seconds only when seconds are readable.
8:15
